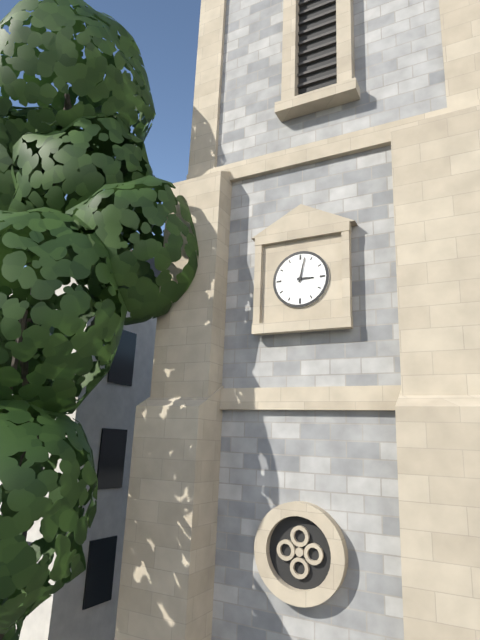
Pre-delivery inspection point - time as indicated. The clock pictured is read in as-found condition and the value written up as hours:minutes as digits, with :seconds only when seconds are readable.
3:02
